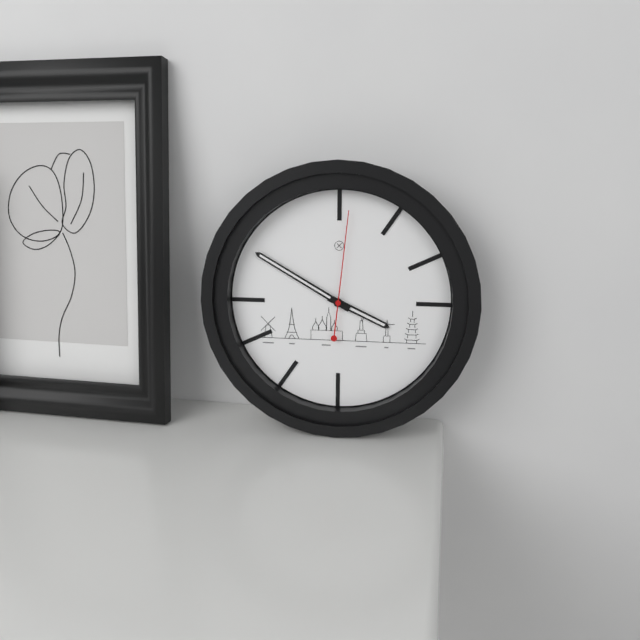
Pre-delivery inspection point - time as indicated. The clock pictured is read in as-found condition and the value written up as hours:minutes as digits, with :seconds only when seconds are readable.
3:50:01
